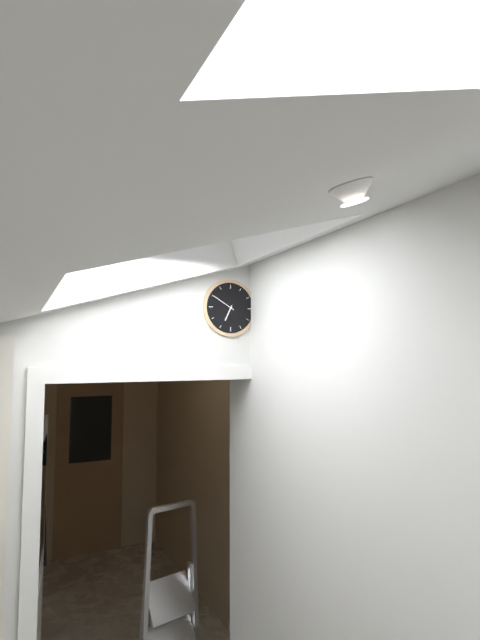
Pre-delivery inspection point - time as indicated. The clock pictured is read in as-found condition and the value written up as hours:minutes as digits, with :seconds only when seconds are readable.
6:50
